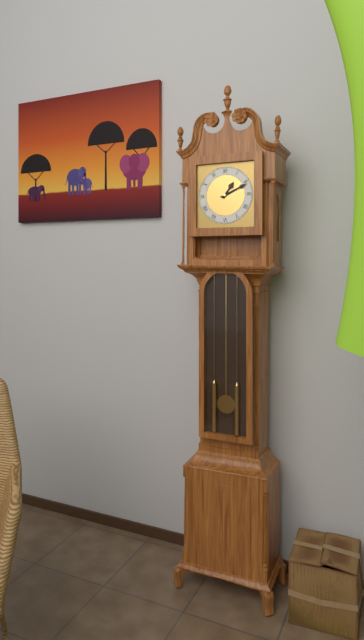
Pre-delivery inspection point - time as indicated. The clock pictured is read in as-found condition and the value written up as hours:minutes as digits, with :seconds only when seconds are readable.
1:11
